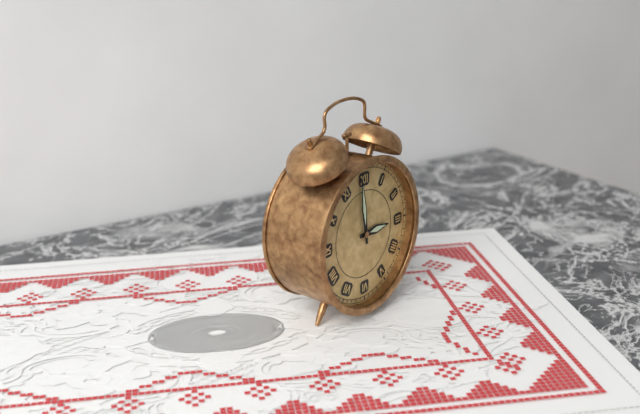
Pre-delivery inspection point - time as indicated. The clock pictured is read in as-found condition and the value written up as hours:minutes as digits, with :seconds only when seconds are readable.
2:59
